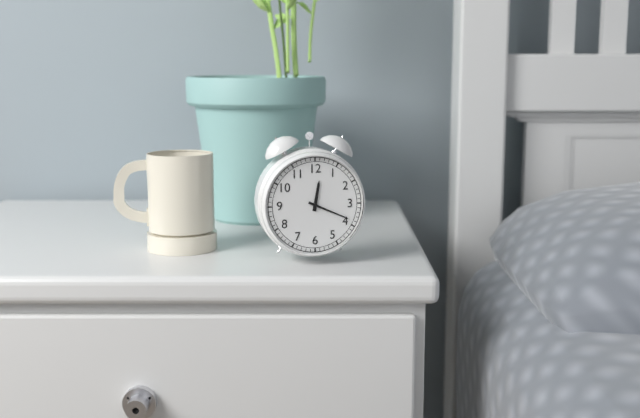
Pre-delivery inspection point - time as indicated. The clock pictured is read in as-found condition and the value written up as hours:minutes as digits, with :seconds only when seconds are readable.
12:19
